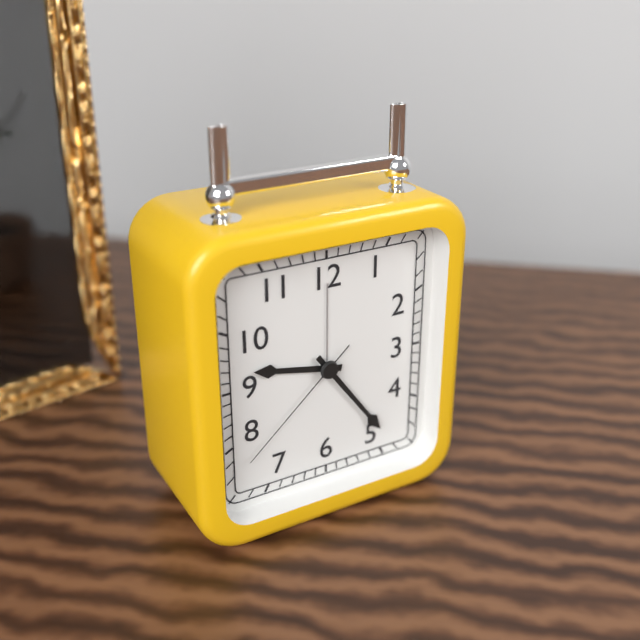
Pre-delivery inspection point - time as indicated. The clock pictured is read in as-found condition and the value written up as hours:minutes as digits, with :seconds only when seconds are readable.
9:24:38
